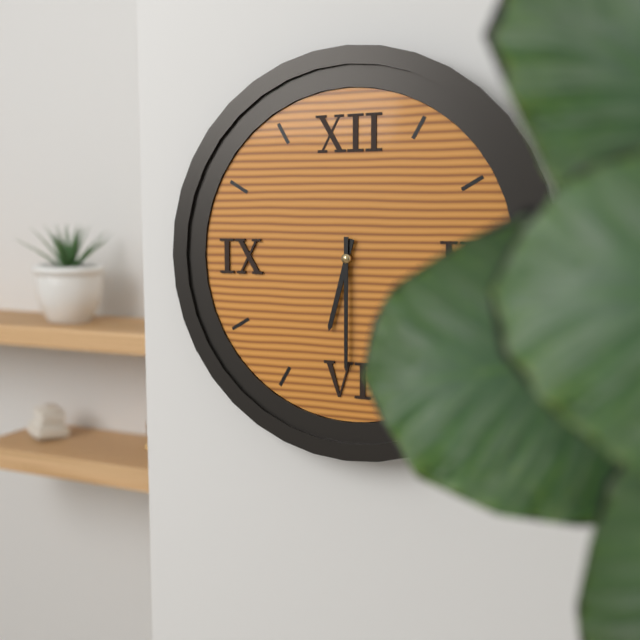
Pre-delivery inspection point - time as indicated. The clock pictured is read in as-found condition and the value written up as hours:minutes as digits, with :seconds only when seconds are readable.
6:30
